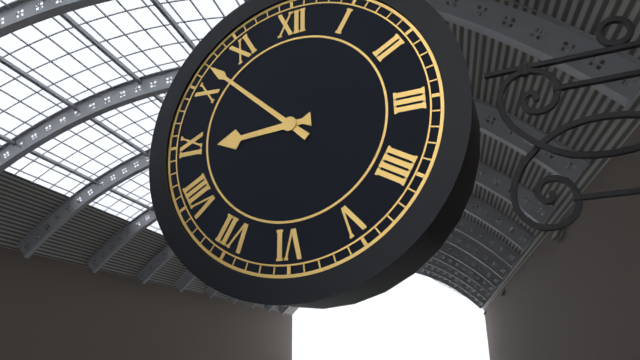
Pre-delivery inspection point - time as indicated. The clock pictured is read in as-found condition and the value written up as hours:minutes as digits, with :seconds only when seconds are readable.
8:52
